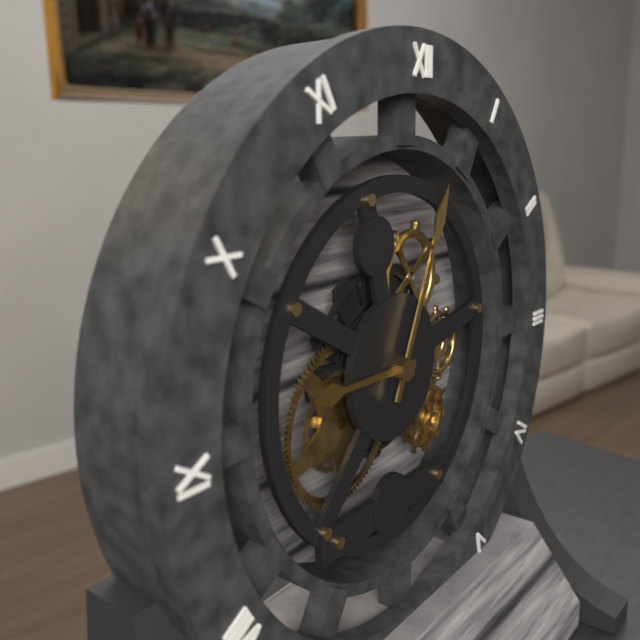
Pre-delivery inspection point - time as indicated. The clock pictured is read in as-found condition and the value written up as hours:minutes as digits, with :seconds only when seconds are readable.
9:04
